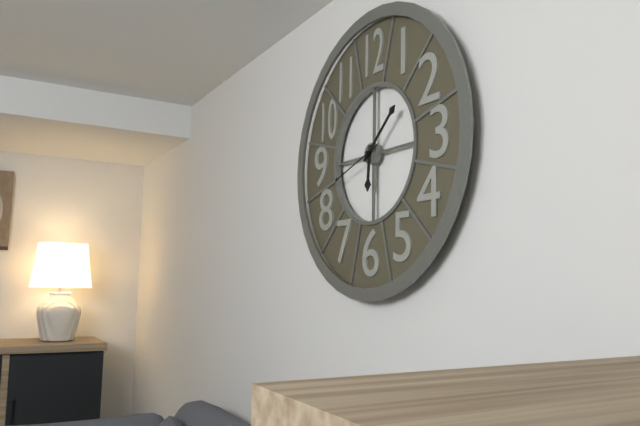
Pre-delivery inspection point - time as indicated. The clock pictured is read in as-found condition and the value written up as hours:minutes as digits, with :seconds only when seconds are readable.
6:08:42
